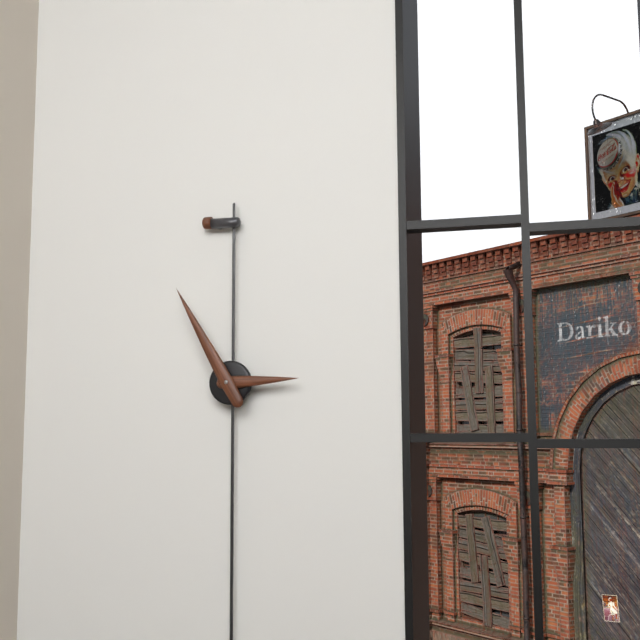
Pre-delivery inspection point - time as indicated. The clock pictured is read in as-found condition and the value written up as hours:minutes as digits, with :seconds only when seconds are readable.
2:55
